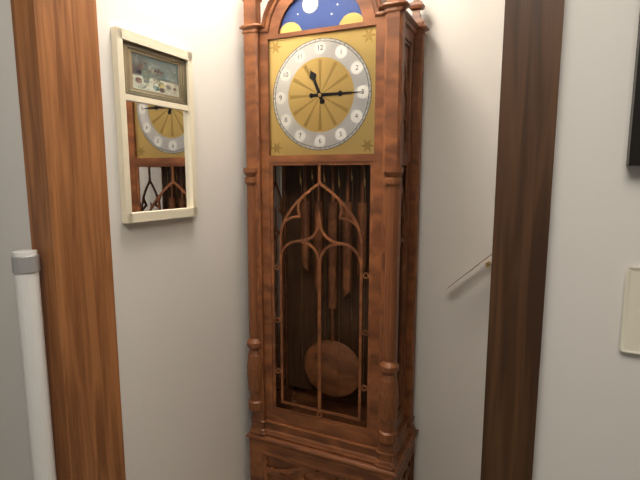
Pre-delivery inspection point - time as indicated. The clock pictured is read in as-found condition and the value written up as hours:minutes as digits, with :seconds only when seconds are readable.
11:15
